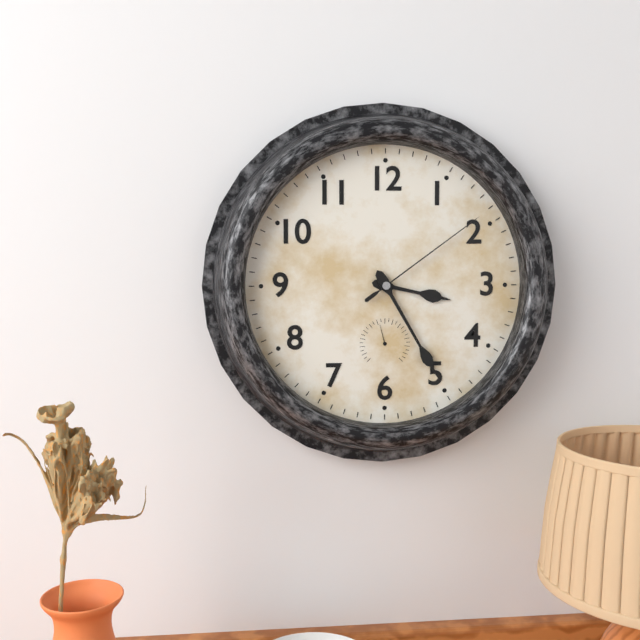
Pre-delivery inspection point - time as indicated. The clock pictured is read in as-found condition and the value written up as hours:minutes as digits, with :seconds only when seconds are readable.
3:25:09
